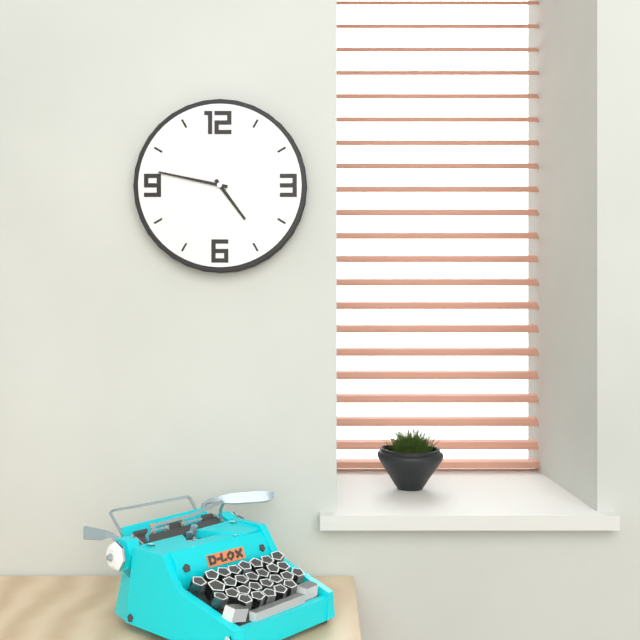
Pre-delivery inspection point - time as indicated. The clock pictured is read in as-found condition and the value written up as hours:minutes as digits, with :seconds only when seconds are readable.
4:47
